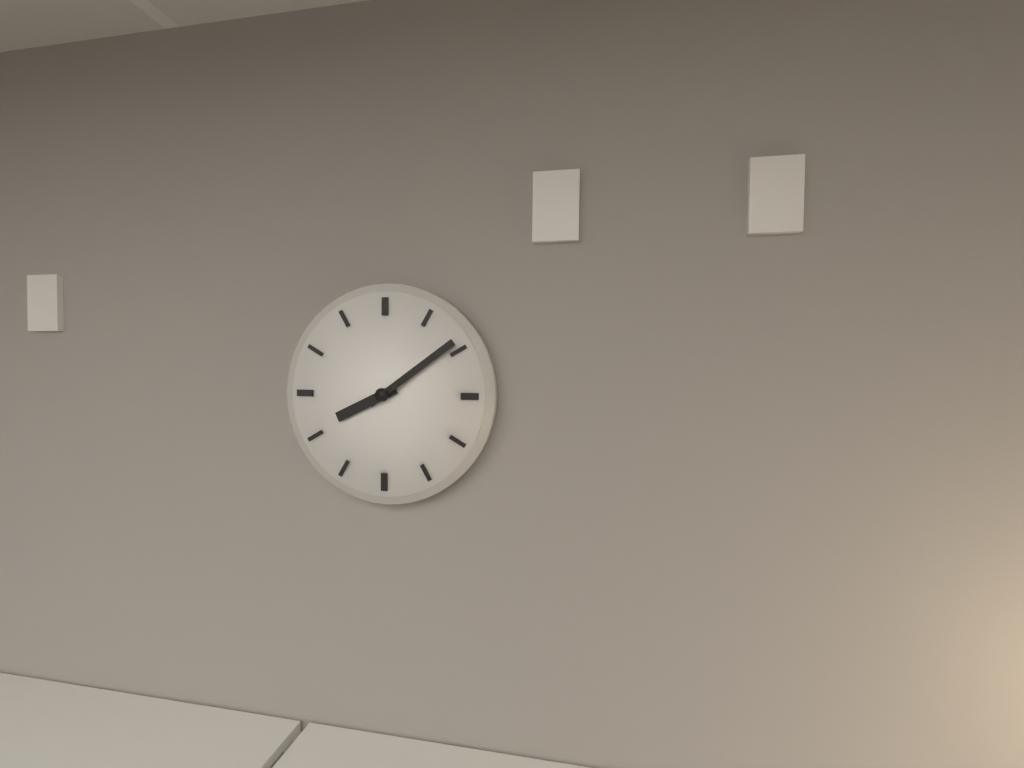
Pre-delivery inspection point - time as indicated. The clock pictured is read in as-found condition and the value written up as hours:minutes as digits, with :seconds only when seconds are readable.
8:09
